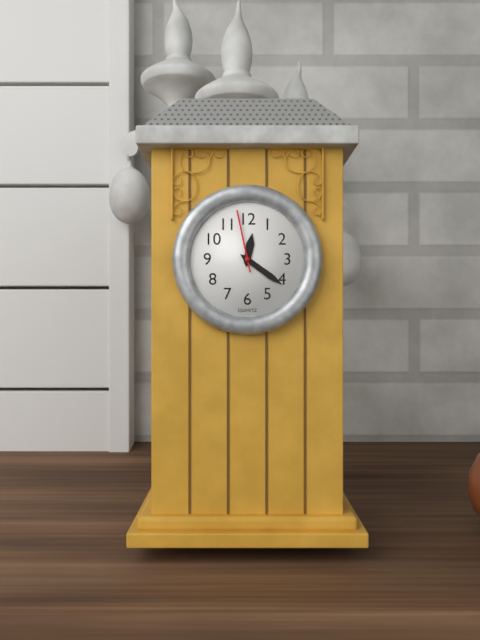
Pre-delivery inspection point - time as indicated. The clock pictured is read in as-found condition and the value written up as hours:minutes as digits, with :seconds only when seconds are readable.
12:21:58
